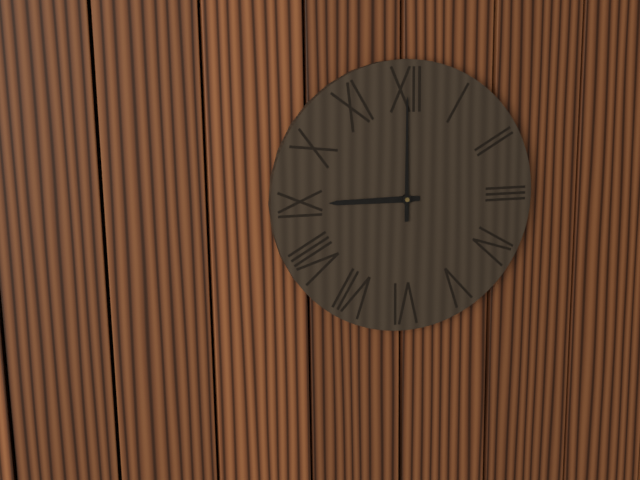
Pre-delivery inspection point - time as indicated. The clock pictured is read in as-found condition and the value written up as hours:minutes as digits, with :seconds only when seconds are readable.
9:00
